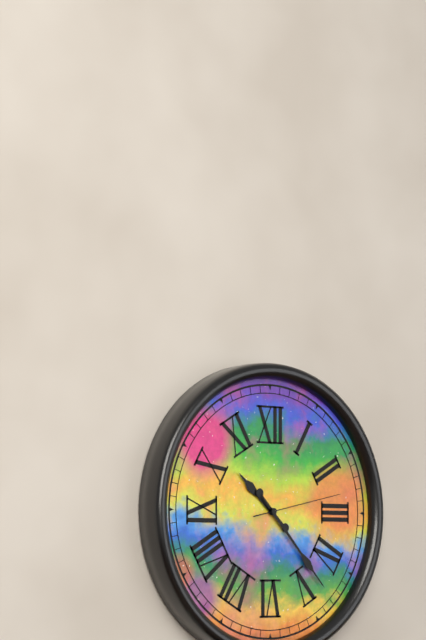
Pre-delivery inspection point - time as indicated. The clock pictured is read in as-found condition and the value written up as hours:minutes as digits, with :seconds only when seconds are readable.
10:23:13
